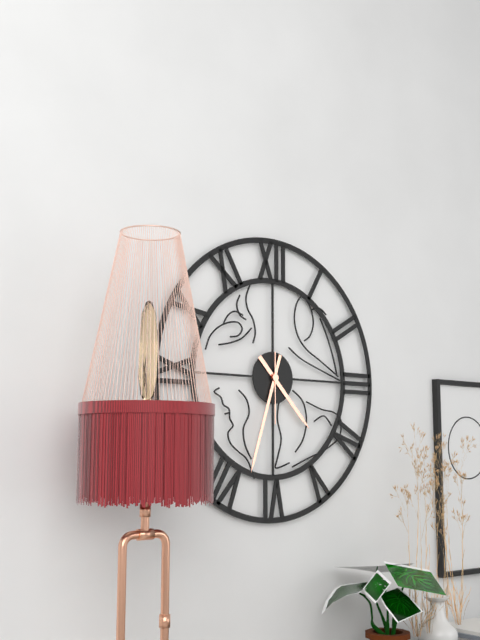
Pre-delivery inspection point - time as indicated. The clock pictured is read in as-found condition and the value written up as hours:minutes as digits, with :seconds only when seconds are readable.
4:33:30
